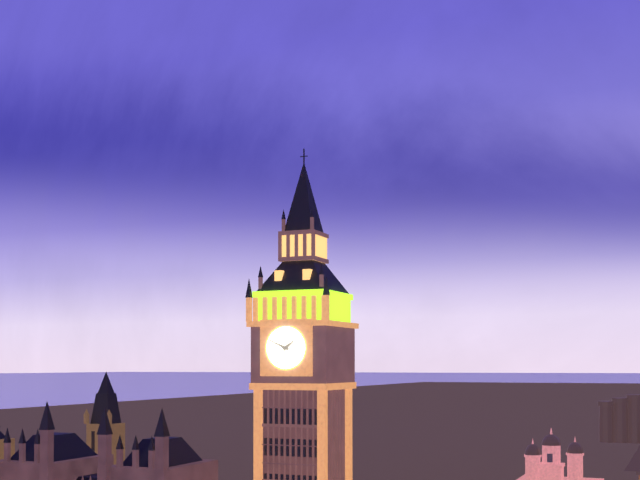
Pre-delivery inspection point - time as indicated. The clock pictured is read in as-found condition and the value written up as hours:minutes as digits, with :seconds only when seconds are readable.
1:49
